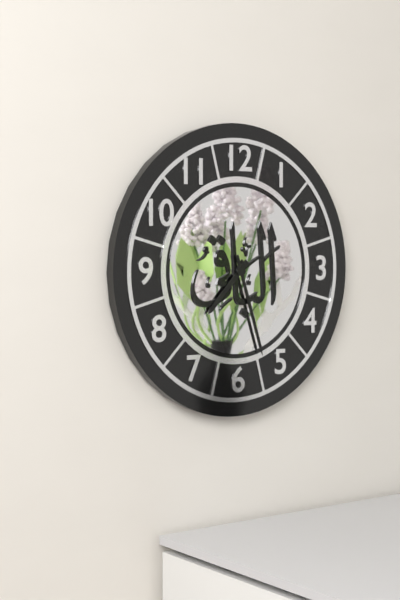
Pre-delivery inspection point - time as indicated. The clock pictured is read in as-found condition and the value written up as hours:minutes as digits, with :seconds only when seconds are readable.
7:27
